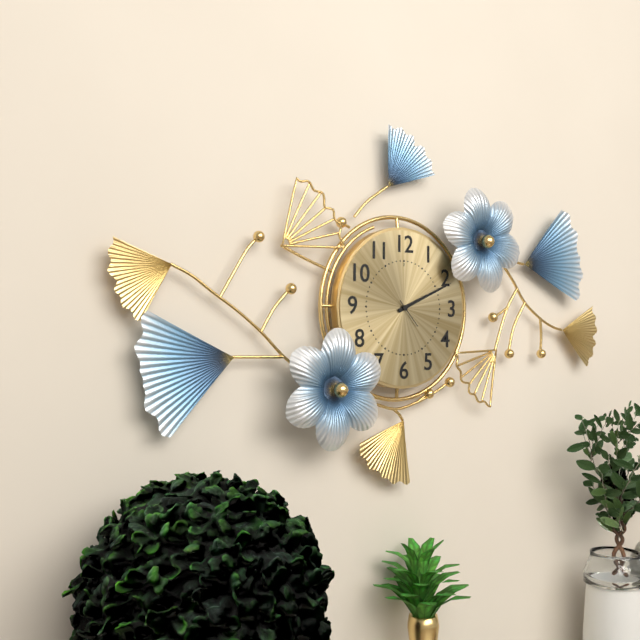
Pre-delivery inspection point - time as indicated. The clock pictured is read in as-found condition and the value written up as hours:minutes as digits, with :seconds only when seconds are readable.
2:11
